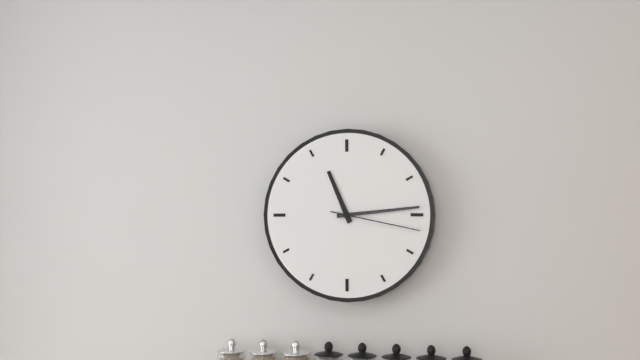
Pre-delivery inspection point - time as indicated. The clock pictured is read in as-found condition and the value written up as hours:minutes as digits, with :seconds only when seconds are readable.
11:14:17
